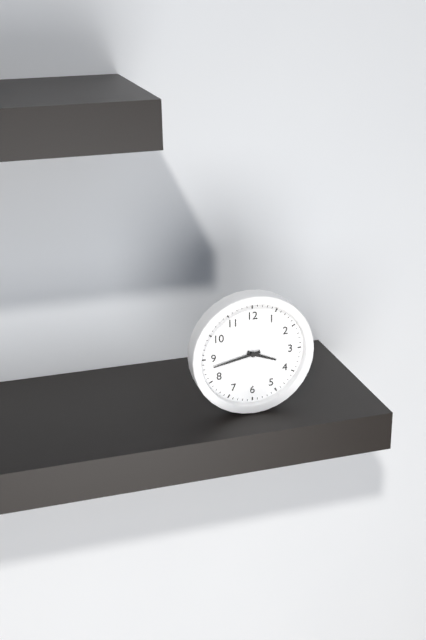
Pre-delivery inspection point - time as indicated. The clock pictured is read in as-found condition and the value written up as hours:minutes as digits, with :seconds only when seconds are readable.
3:43
